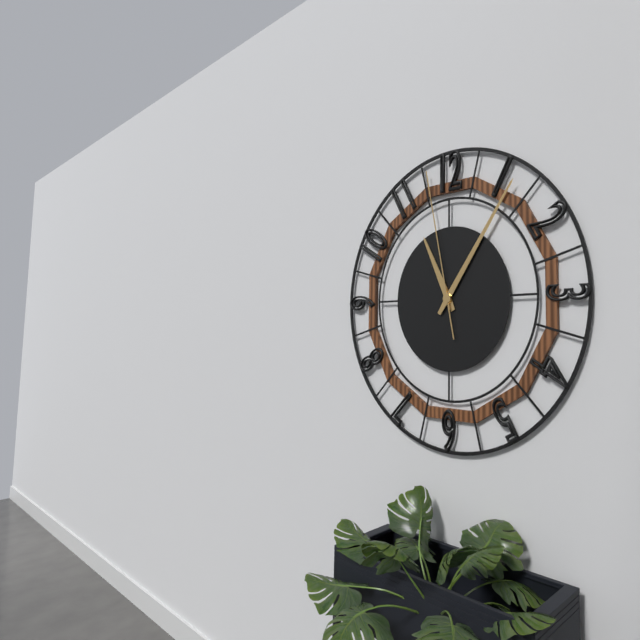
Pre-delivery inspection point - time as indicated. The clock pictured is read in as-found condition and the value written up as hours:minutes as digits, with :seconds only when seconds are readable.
11:06:58
